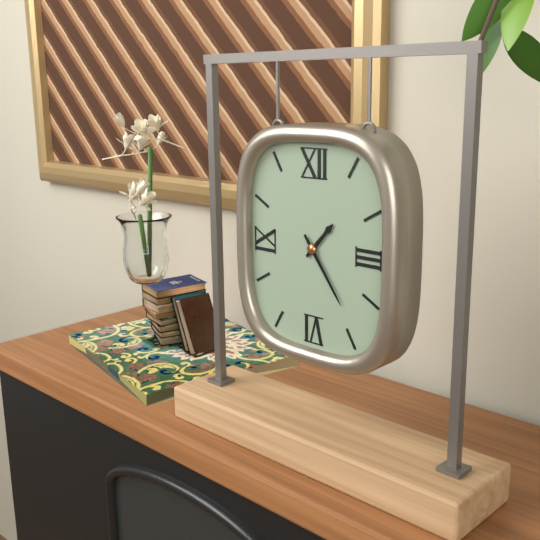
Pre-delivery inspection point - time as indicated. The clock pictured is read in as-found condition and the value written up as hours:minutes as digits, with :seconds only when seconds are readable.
1:24
